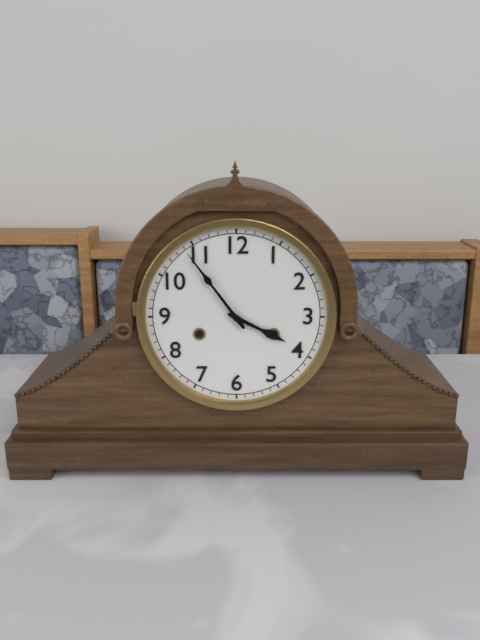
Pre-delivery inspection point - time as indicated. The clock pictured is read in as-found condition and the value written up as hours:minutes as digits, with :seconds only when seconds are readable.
3:54
